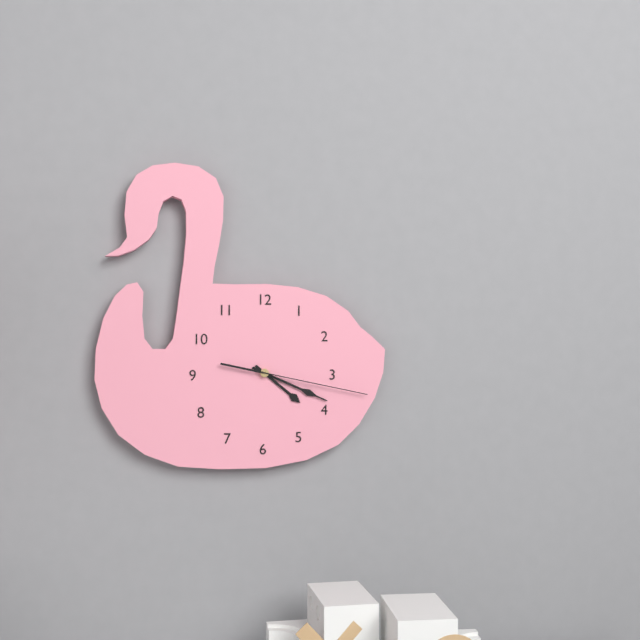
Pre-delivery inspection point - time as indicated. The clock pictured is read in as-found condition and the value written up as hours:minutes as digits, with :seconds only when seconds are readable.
4:19:17
